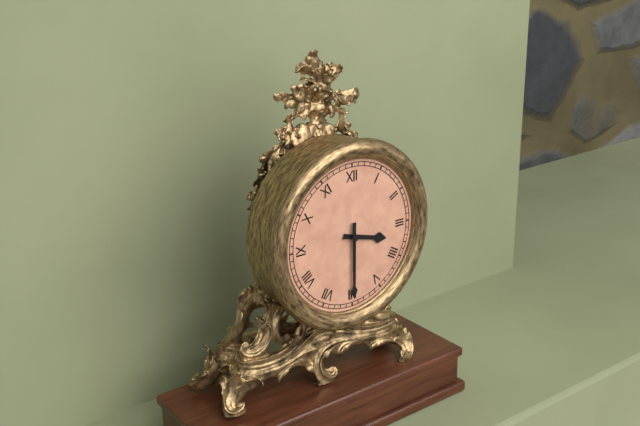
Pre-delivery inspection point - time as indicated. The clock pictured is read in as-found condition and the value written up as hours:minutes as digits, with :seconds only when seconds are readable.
3:30
